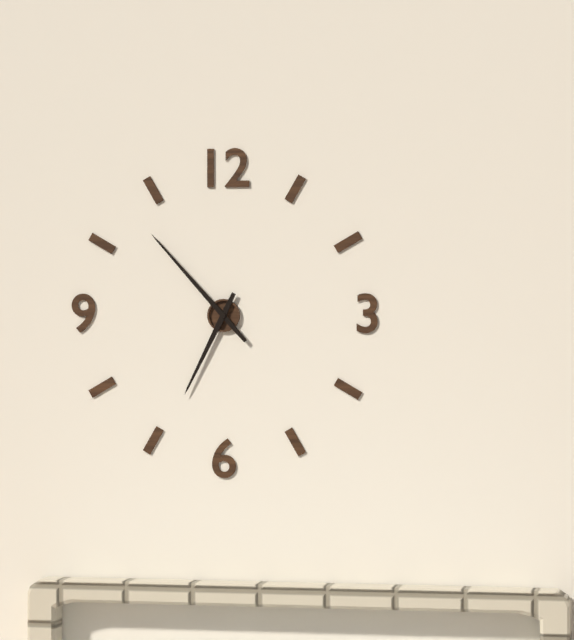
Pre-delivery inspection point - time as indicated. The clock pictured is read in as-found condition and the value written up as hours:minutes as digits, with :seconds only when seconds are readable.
6:53
